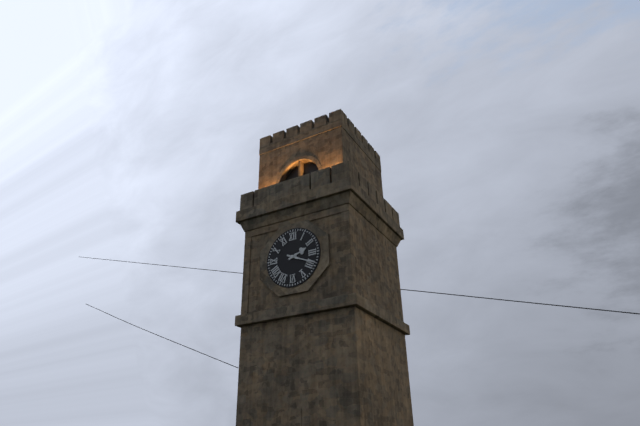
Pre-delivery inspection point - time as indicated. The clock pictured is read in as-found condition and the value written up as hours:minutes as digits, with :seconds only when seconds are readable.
2:19
